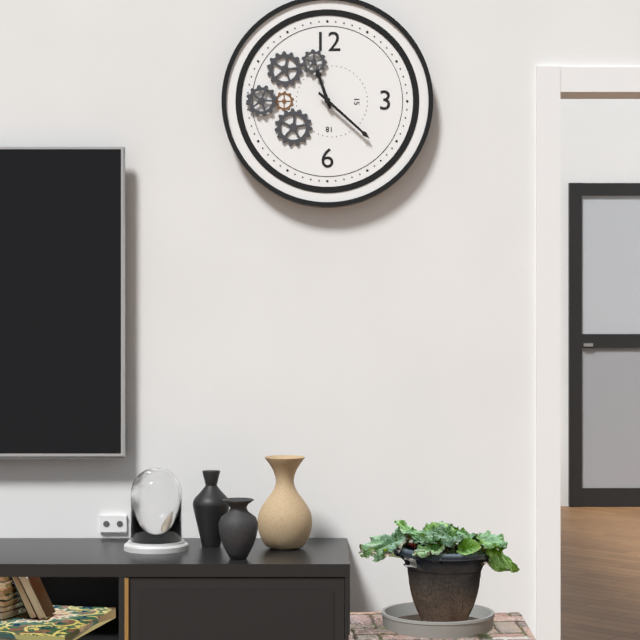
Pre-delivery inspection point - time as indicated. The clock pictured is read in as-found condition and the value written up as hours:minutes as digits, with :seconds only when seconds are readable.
11:22
